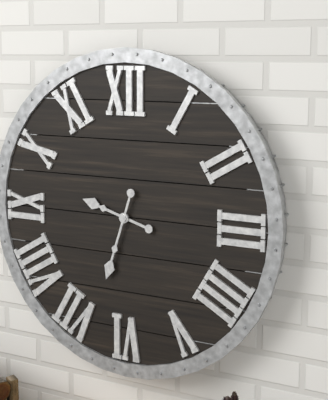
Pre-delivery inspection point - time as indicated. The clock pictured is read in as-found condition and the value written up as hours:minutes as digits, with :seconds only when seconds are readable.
9:33
